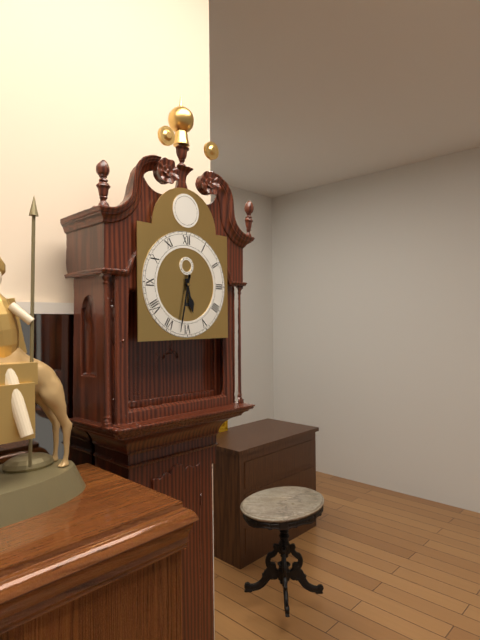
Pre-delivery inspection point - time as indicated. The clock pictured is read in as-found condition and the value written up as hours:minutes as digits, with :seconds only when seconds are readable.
5:32
